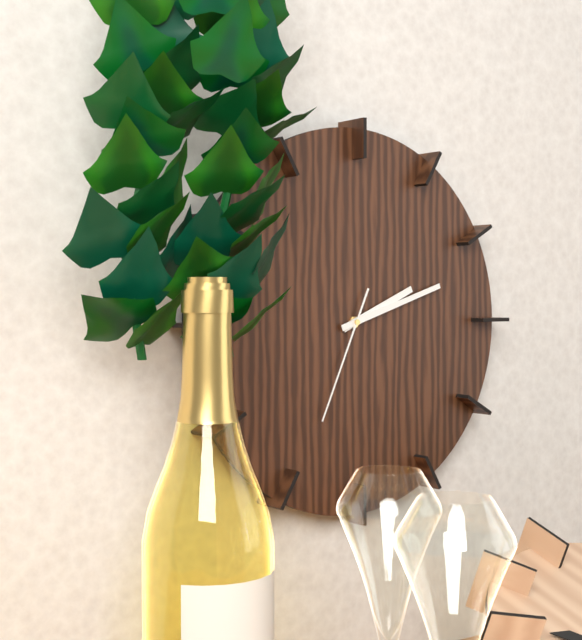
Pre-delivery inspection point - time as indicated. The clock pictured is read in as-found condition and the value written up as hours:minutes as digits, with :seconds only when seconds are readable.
2:12:34
